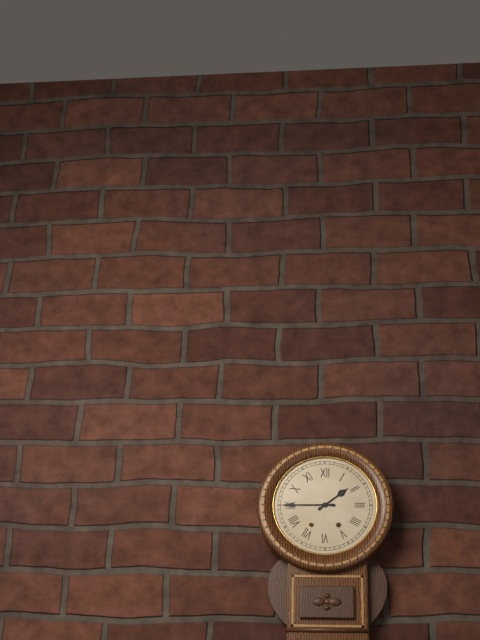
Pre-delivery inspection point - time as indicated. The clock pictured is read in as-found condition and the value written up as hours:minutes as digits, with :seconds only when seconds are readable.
1:45
